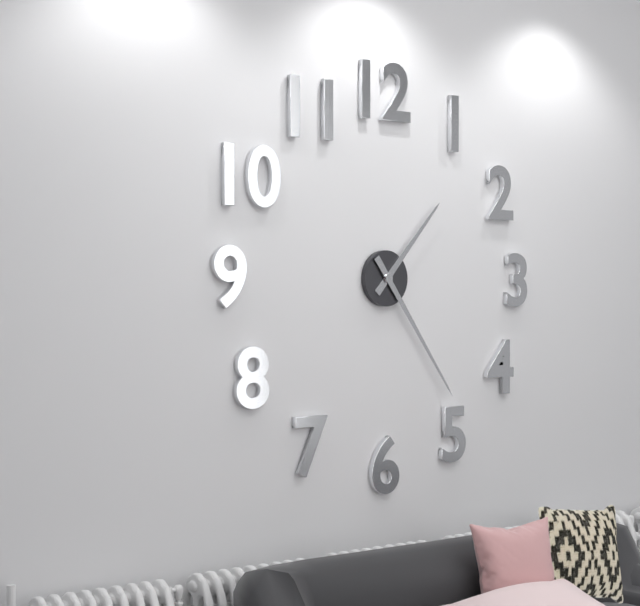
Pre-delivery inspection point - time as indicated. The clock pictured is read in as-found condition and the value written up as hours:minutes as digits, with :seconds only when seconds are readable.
1:24
